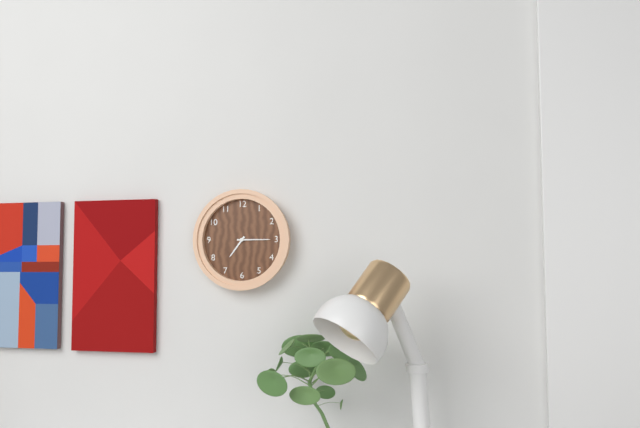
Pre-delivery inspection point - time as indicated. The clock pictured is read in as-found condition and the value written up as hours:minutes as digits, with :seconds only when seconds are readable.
7:15
